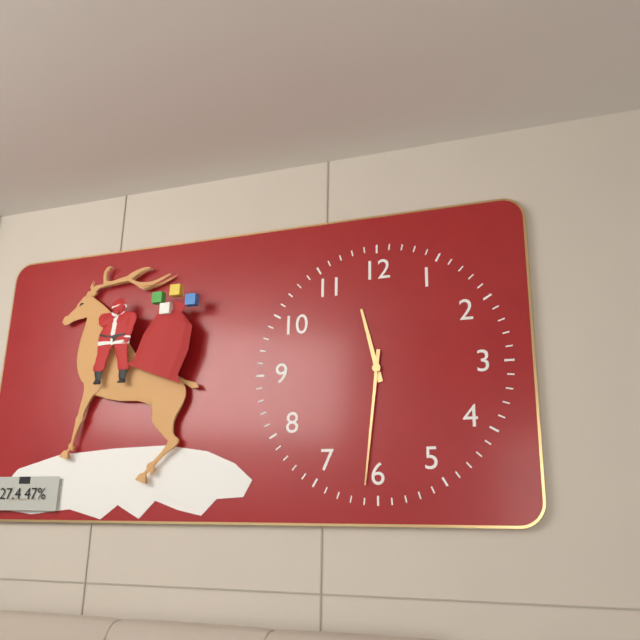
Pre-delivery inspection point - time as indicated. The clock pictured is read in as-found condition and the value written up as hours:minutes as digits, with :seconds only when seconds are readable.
11:31
